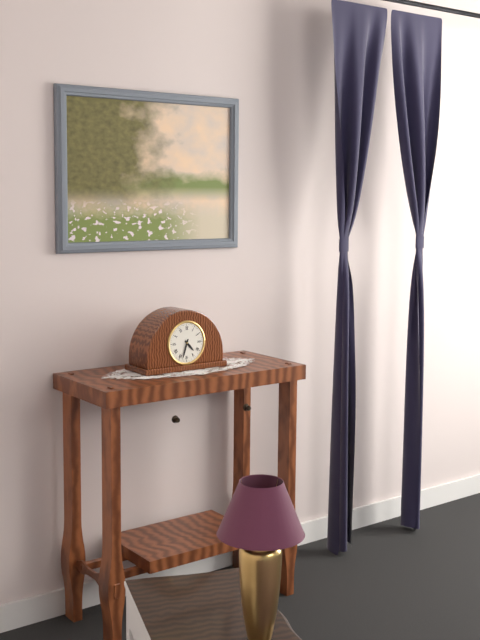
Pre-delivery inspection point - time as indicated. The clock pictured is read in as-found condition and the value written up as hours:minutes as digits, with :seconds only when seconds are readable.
4:33
